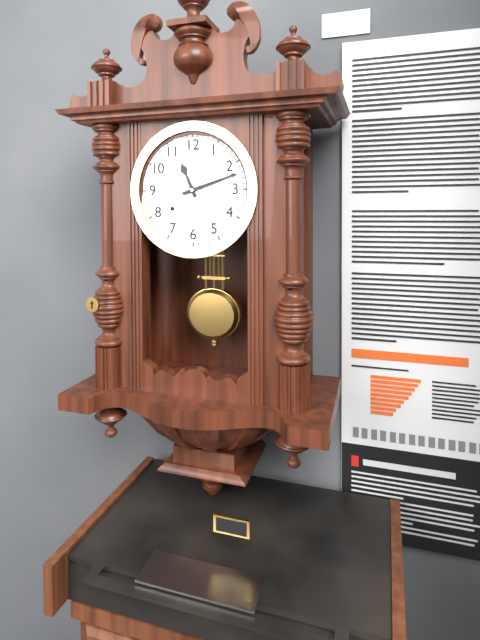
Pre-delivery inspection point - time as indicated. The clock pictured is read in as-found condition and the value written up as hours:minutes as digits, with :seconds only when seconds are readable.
11:12
